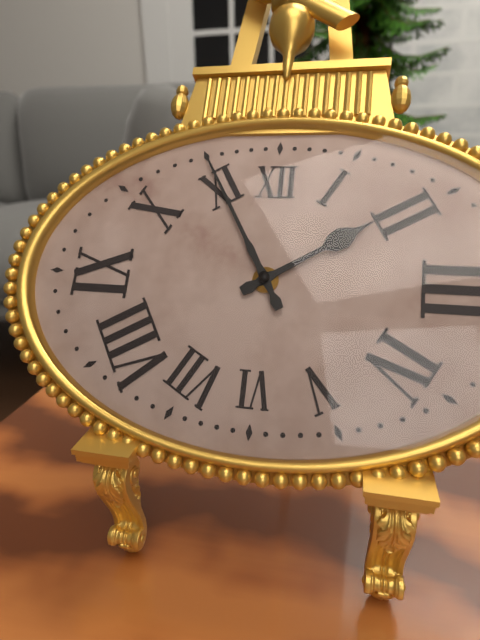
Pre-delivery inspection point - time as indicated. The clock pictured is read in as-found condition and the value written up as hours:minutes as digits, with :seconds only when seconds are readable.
1:55
